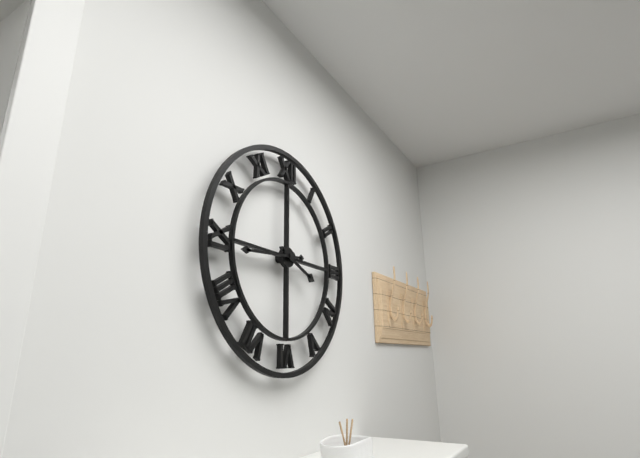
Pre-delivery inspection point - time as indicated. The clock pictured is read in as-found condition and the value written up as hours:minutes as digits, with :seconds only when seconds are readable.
3:44
